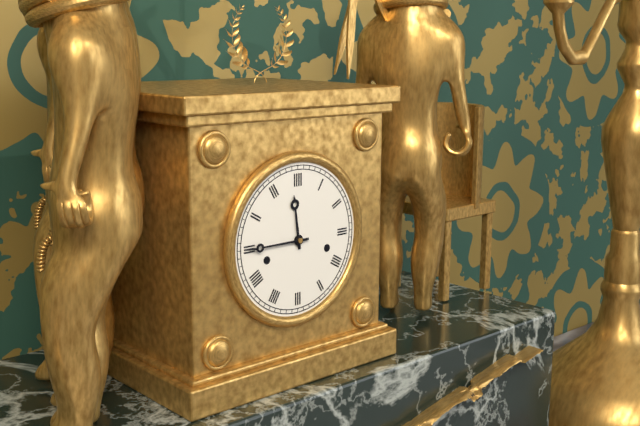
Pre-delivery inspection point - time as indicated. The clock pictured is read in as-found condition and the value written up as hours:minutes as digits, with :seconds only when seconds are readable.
11:45
